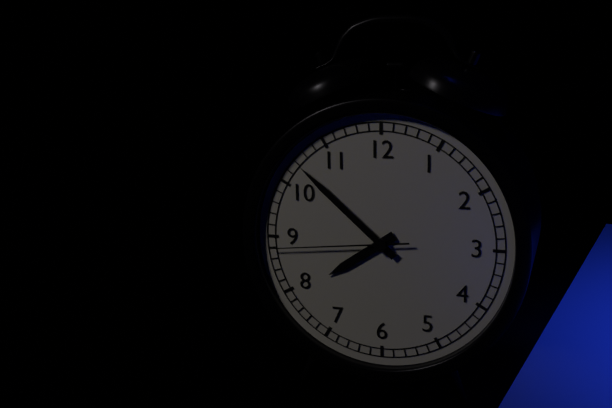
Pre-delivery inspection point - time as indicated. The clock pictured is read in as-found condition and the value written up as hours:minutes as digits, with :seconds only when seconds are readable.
7:52:44
